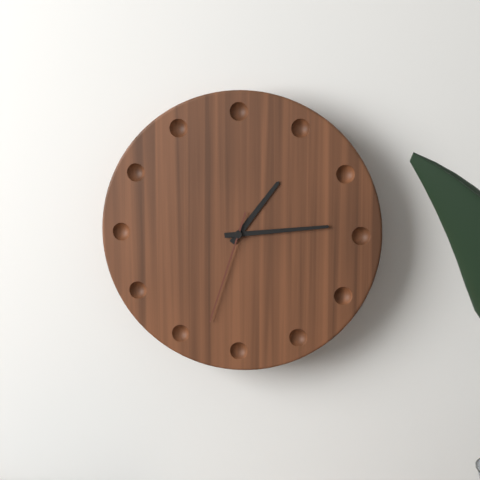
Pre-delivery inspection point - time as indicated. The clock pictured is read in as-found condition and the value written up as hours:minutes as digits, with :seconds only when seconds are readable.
1:14:33
